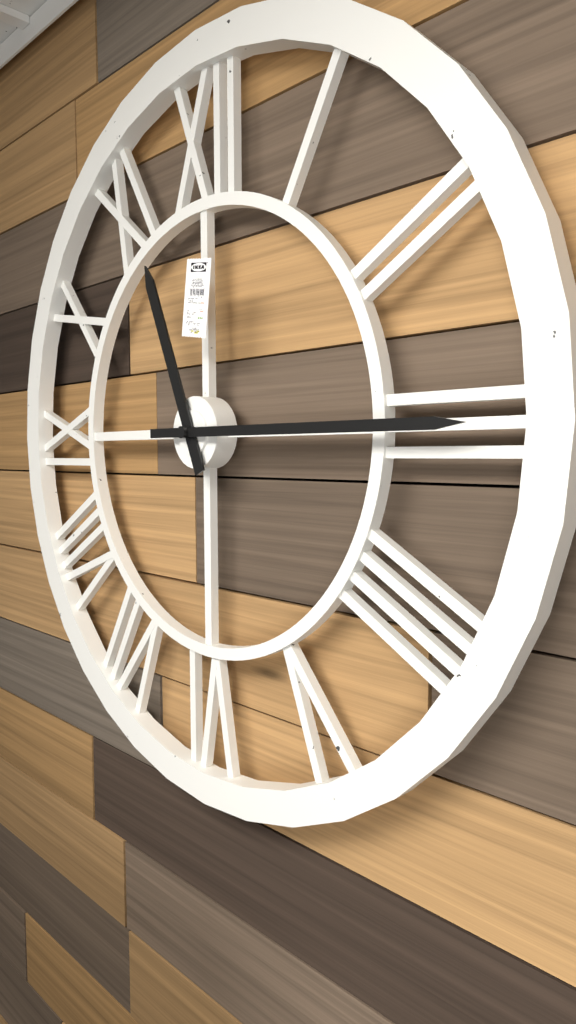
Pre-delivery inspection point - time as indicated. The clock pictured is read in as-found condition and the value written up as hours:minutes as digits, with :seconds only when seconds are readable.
11:15
